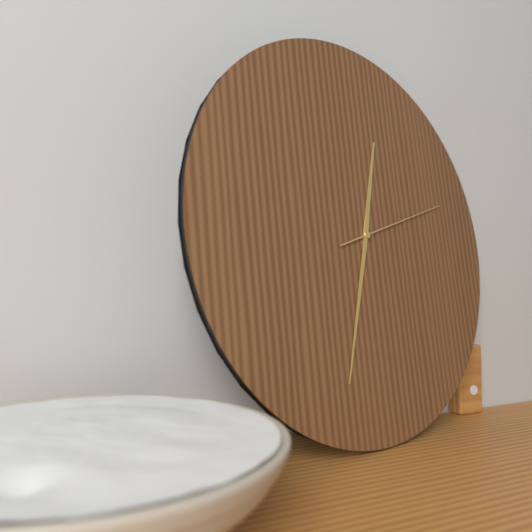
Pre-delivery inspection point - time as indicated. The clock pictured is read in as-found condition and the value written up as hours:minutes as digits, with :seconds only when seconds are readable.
12:33:12
